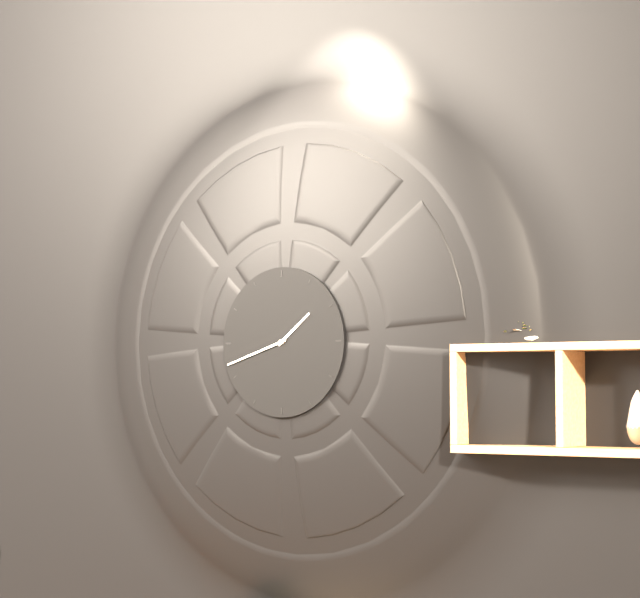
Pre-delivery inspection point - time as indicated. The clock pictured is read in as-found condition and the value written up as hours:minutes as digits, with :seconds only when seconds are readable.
1:42
